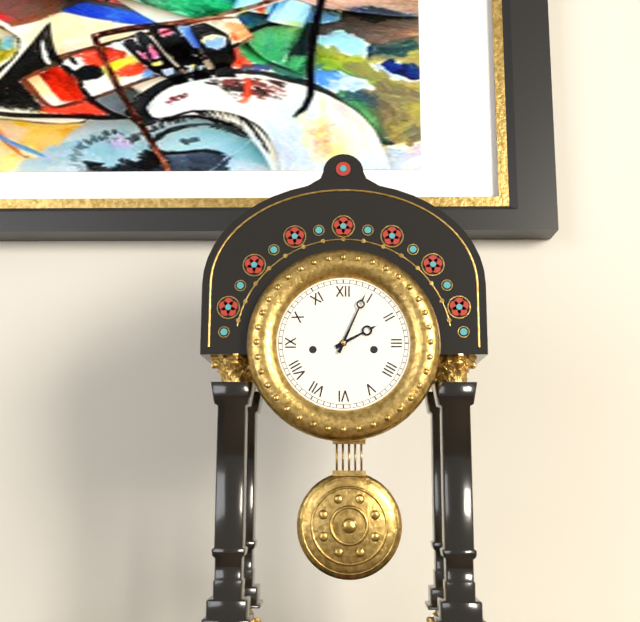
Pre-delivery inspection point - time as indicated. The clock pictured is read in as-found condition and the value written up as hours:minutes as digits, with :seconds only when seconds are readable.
2:04
